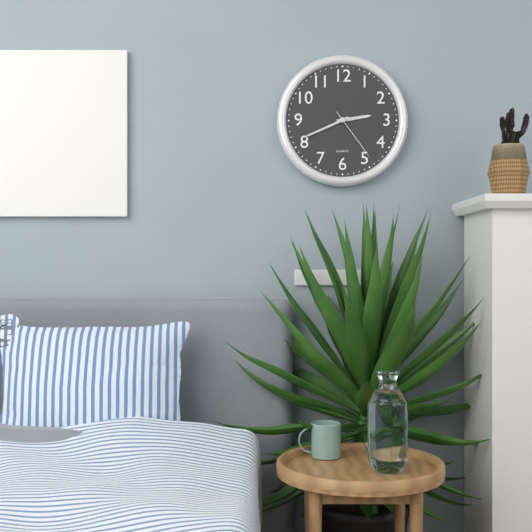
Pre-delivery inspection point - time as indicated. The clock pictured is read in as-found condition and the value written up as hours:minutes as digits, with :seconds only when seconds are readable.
2:41:24
